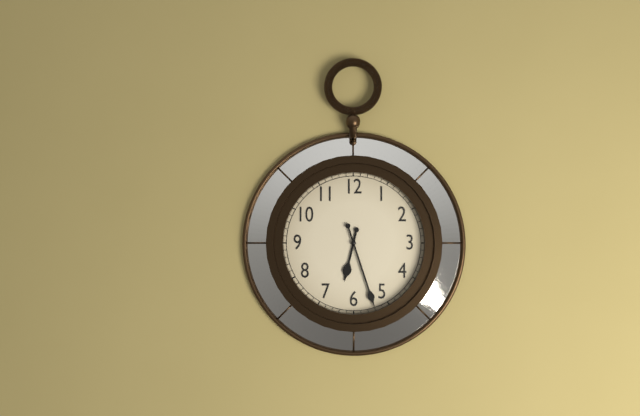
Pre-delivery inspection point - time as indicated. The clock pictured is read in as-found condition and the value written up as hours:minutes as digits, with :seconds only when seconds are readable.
6:27
